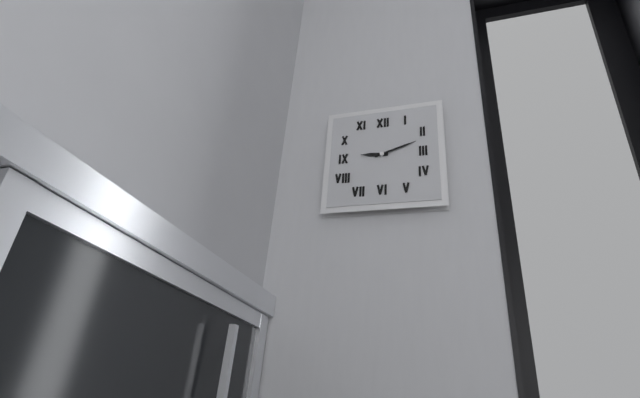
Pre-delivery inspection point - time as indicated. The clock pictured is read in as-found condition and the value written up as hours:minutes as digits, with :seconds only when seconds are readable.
9:12
